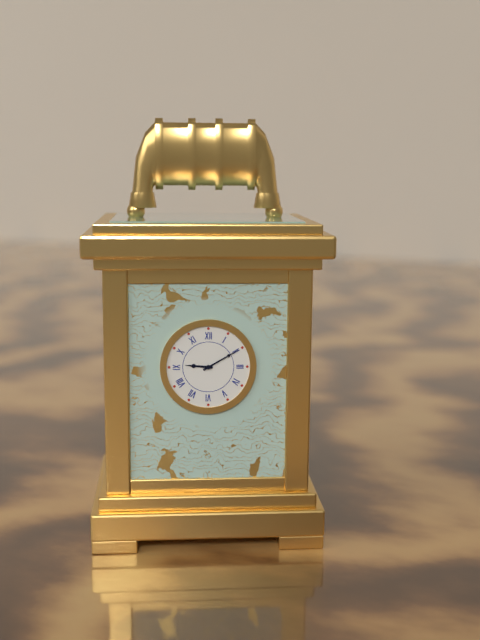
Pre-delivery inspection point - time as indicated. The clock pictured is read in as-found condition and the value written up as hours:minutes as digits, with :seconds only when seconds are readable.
9:10
